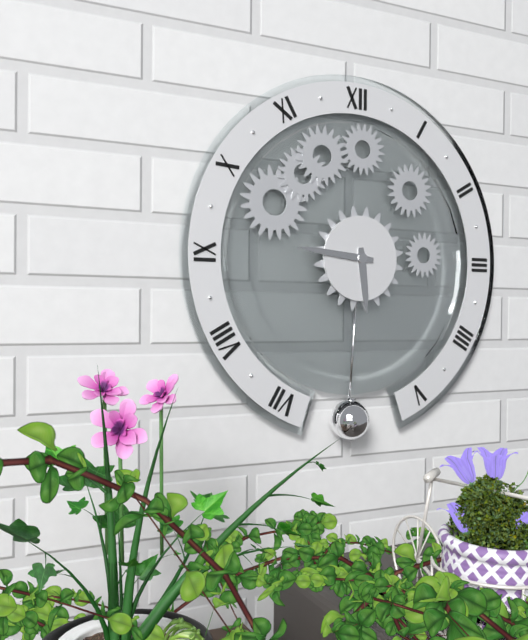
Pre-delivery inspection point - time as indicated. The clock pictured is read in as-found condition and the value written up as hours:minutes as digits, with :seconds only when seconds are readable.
5:46
